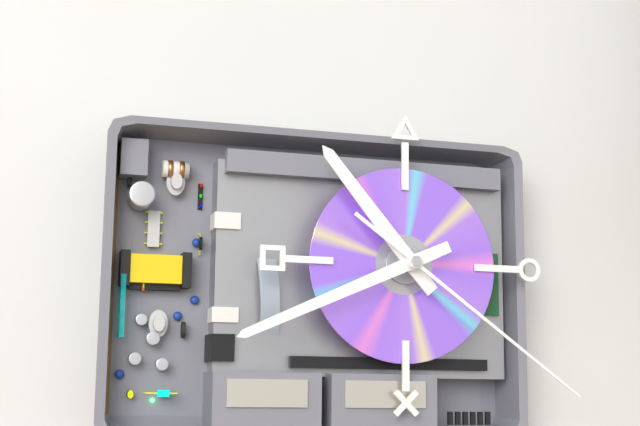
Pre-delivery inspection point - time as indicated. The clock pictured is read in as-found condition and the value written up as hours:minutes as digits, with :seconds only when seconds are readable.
10:41:21
